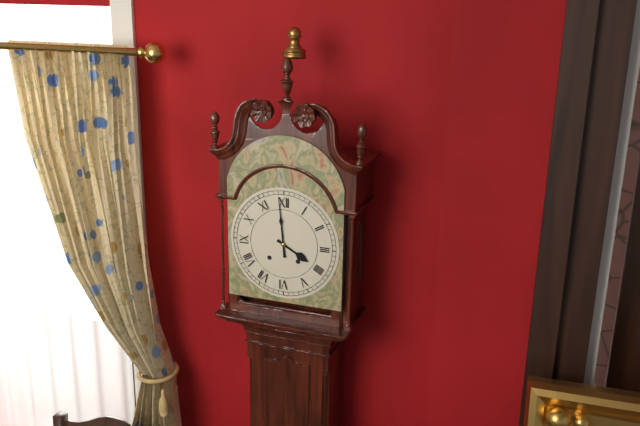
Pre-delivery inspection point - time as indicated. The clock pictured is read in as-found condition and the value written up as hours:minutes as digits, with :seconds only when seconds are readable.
3:59
